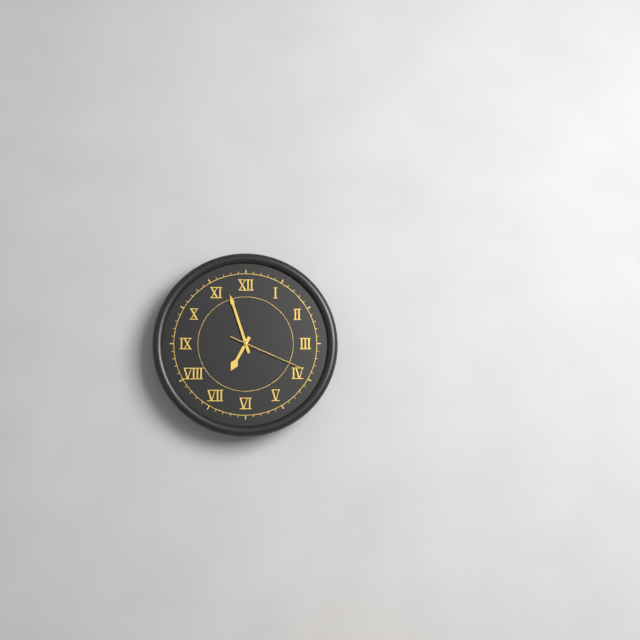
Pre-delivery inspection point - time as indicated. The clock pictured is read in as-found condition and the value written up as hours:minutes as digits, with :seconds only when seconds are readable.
6:57:19
